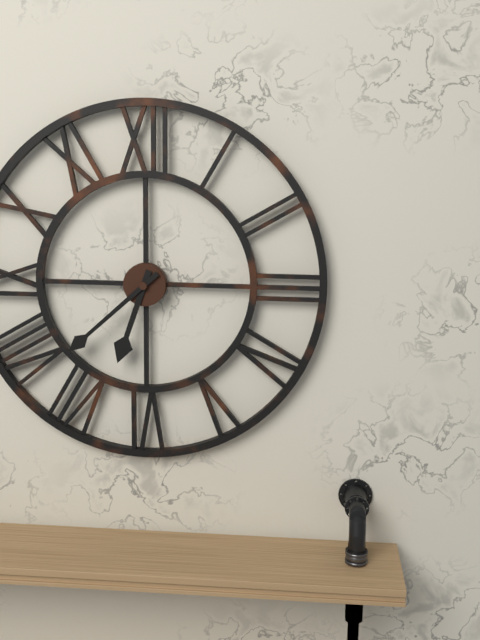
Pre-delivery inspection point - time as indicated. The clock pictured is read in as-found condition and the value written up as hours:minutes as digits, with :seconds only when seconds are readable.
6:38
